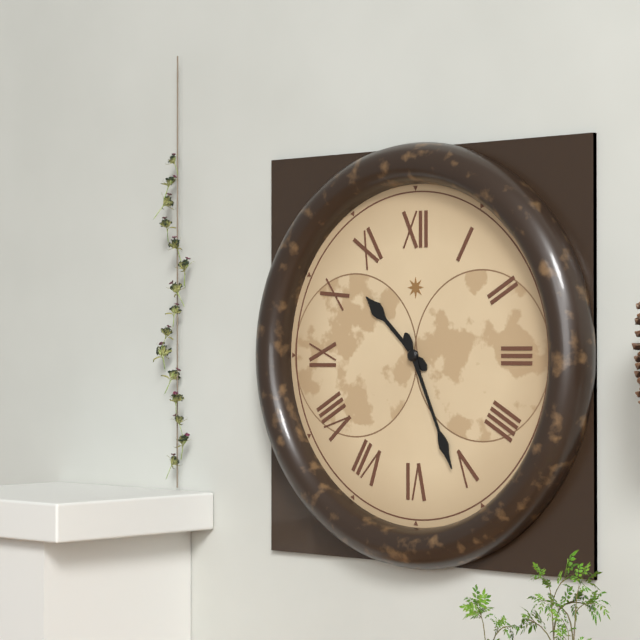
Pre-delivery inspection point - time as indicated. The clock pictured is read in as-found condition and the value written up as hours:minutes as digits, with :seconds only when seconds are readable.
10:26
